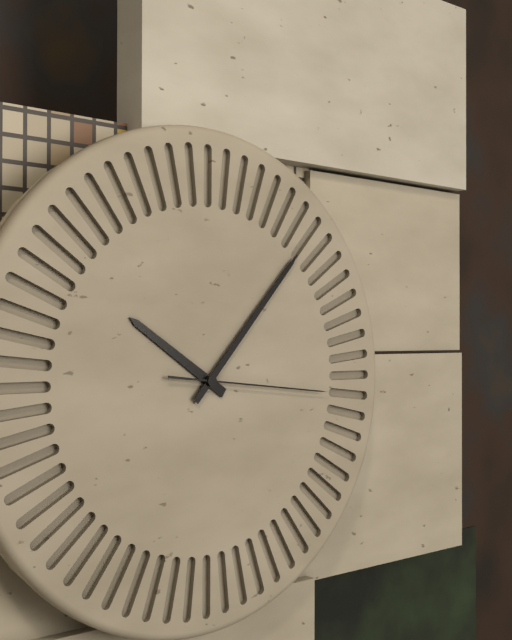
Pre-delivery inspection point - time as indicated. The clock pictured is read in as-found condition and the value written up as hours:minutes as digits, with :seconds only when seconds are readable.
10:07:16
